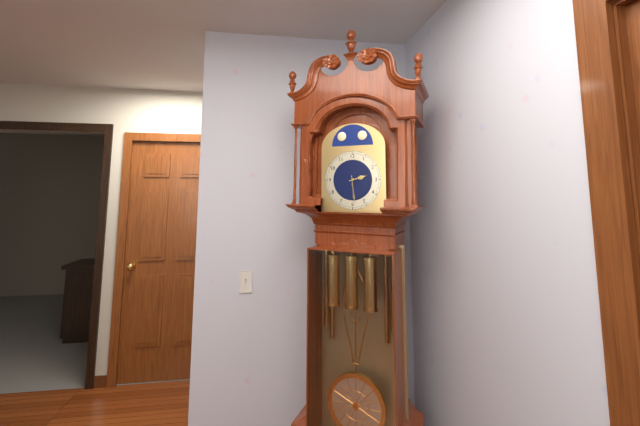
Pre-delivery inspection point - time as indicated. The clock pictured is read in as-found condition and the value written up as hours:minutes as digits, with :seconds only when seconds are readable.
2:29
